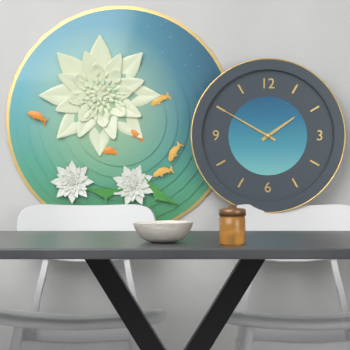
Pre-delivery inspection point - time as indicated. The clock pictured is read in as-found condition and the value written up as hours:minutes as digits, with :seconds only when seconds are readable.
1:50
